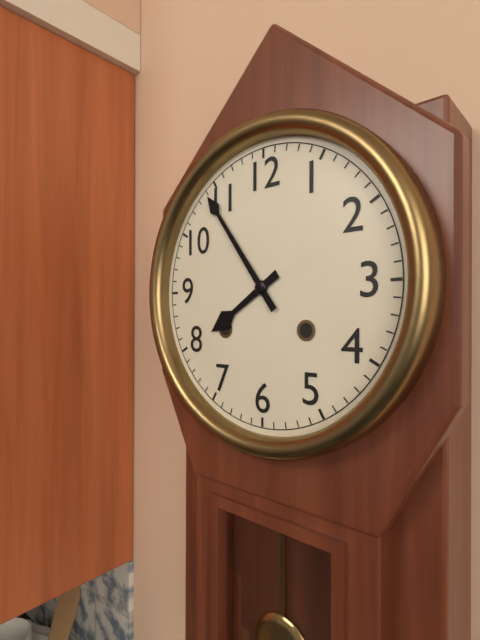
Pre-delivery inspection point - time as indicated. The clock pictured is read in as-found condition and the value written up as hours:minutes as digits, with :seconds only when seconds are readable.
7:54
